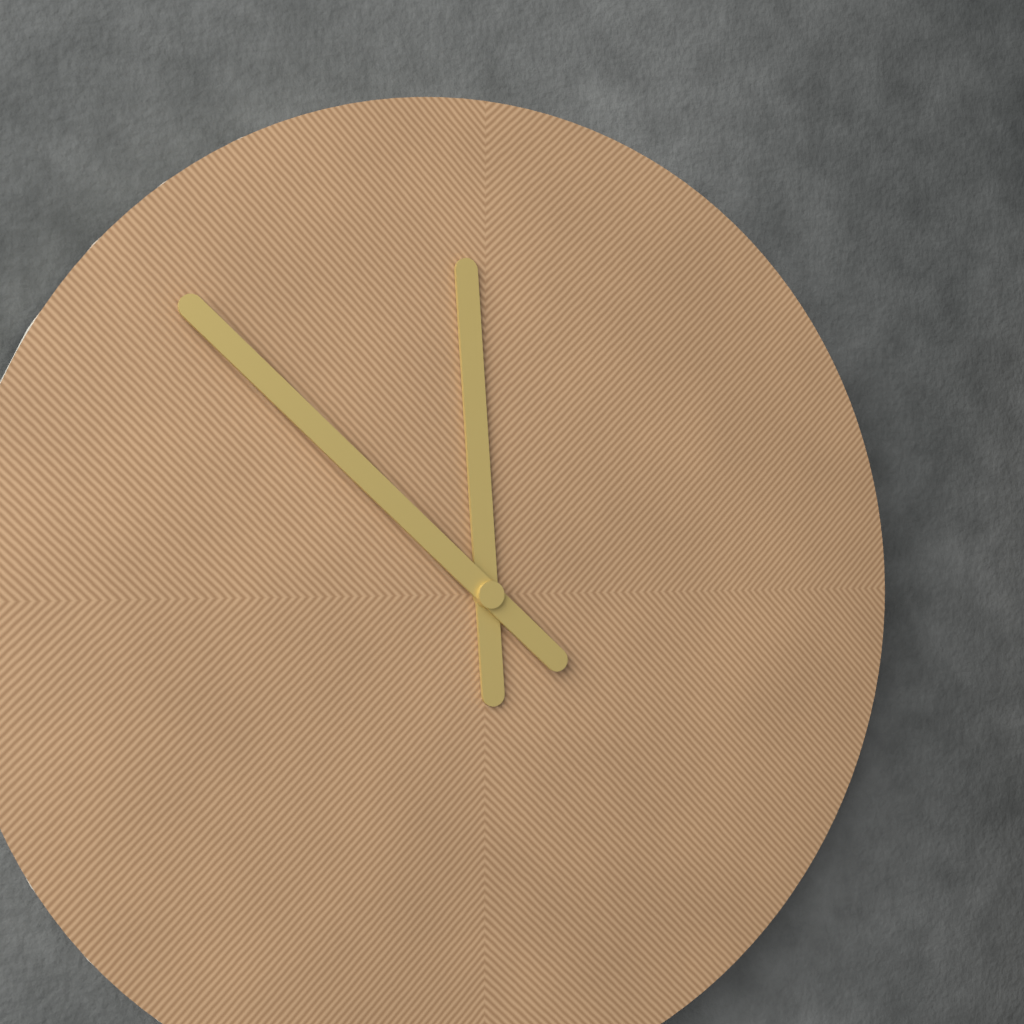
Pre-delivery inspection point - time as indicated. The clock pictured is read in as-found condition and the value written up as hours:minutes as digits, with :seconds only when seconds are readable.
11:52
